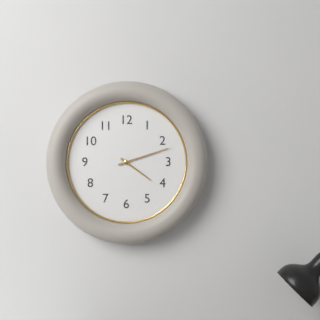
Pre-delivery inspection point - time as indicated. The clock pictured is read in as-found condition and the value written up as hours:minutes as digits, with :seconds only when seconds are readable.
4:12
